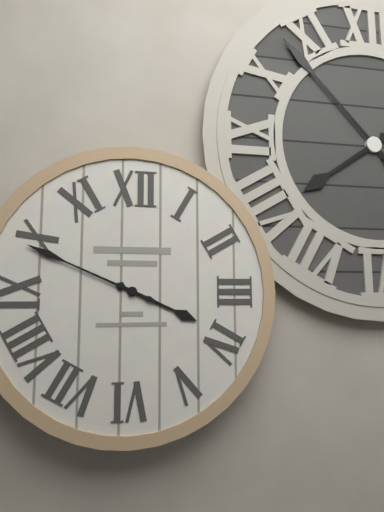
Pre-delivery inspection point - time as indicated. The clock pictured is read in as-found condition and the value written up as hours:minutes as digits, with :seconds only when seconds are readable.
3:49
